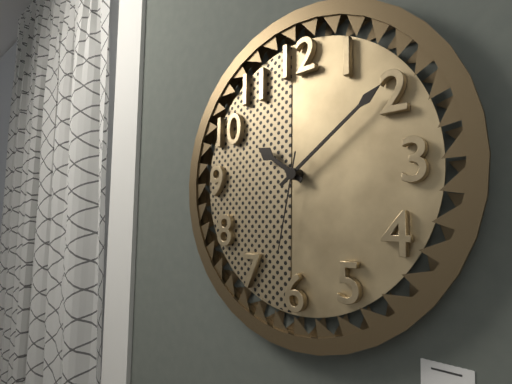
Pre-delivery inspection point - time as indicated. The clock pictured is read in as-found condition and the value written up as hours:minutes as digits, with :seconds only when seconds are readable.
10:09:32
